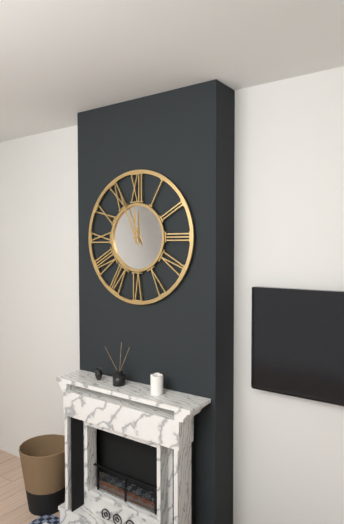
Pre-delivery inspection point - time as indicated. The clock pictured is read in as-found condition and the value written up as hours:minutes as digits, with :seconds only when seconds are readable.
11:56
